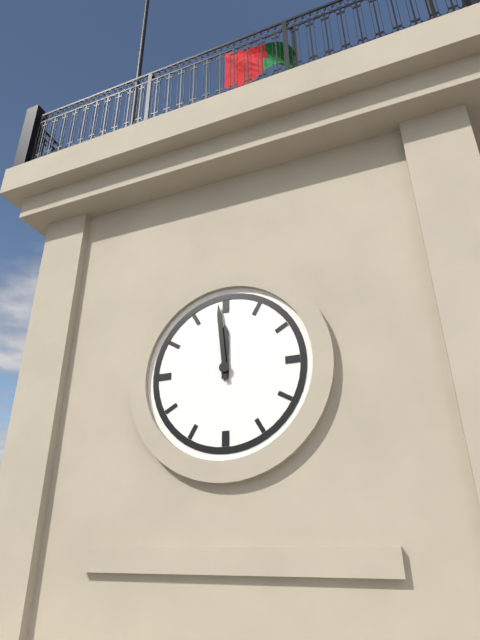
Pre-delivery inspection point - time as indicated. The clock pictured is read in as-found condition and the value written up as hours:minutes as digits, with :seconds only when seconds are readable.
11:59
